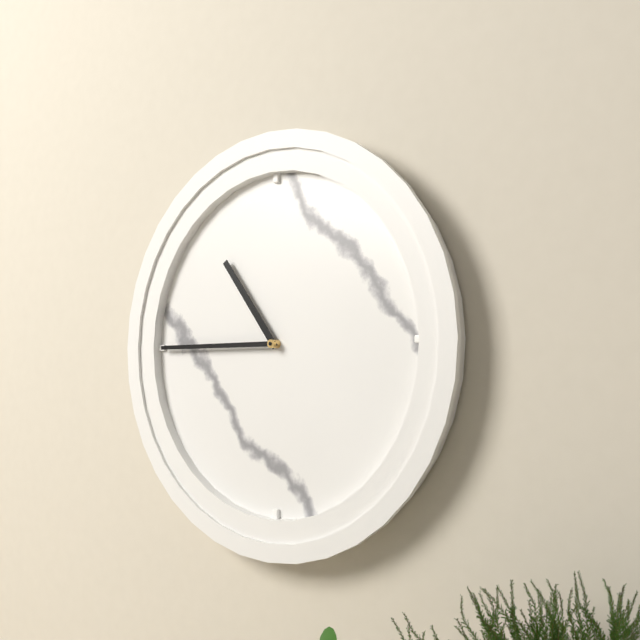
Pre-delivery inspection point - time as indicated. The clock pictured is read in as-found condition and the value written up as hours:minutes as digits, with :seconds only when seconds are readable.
10:45
